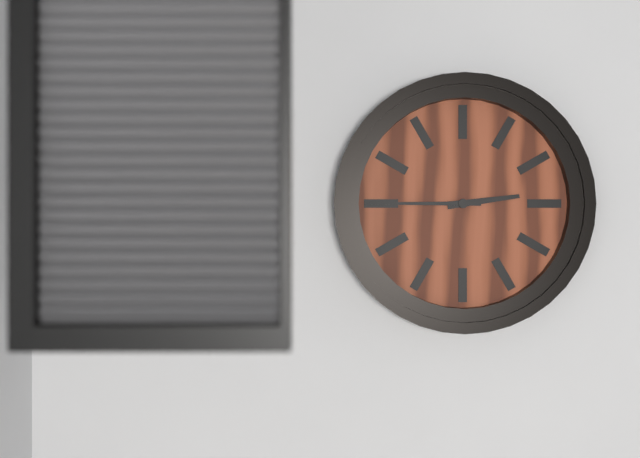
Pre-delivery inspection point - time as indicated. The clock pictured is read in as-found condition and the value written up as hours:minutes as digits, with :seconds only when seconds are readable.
2:45
